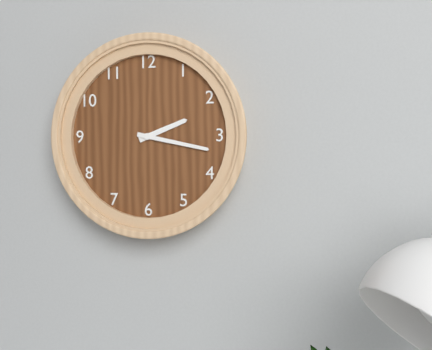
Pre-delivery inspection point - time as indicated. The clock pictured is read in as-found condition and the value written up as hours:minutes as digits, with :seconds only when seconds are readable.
2:17
